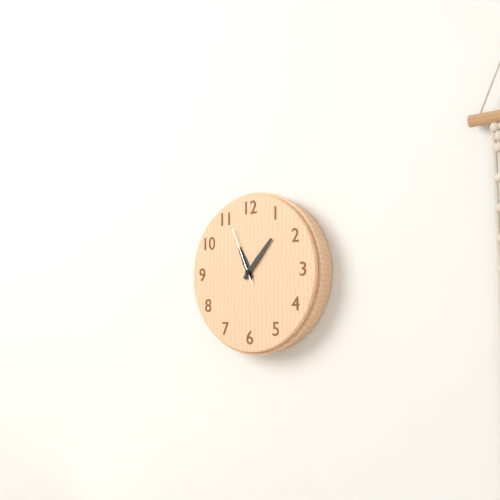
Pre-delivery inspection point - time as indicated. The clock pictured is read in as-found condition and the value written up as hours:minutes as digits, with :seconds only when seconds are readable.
11:07:56
